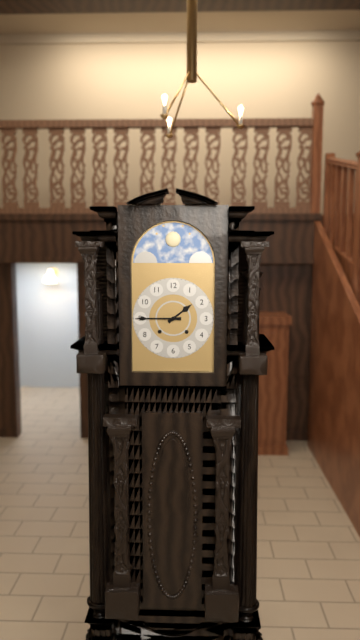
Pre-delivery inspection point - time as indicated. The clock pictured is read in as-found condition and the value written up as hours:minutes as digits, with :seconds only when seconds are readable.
1:45
